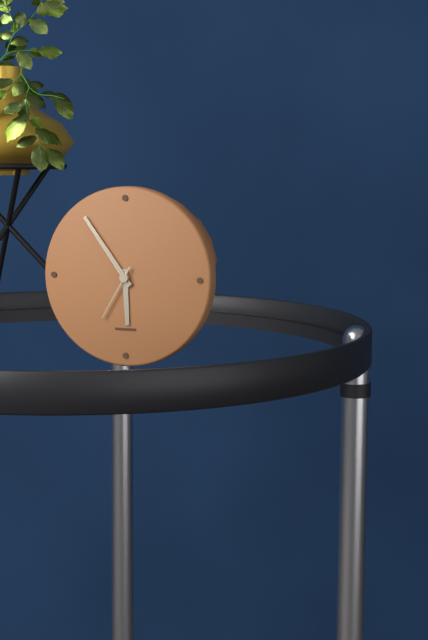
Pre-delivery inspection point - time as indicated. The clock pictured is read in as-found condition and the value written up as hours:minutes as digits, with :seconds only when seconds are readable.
5:54:35
